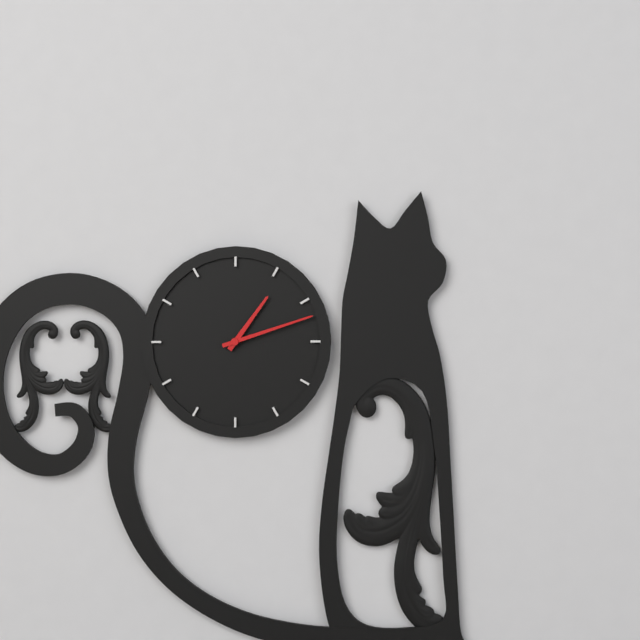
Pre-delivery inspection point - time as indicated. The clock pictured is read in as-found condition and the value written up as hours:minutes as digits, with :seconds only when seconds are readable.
1:12
